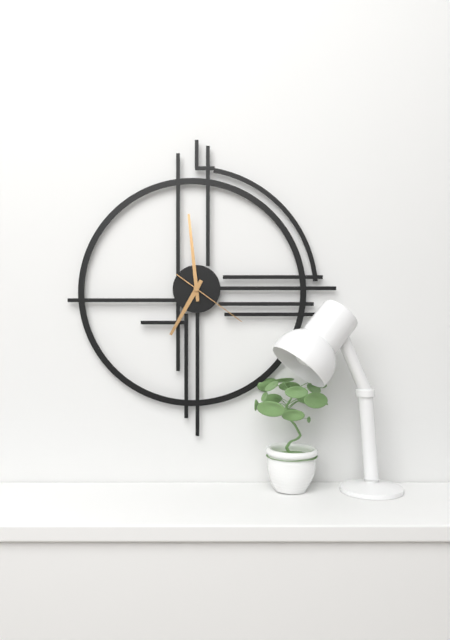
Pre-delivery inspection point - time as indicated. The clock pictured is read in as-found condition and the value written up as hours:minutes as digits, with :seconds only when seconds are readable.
6:59:21
